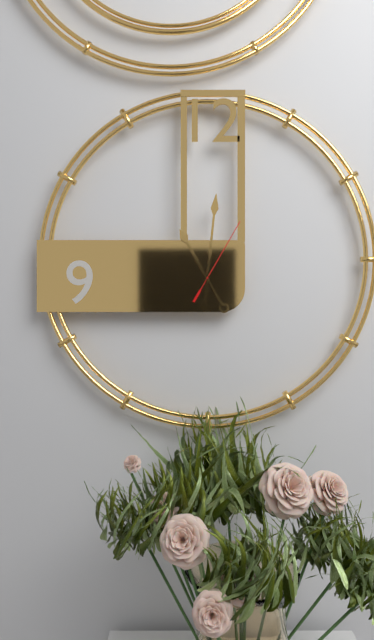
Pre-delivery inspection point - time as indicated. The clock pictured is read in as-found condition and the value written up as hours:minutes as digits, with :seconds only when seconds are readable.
11:01:05
